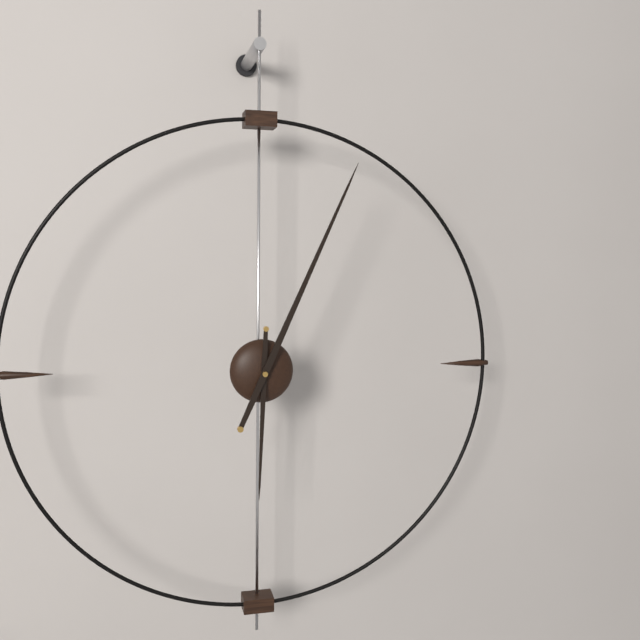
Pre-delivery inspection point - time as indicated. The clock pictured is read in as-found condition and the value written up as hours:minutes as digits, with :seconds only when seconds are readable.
6:04
